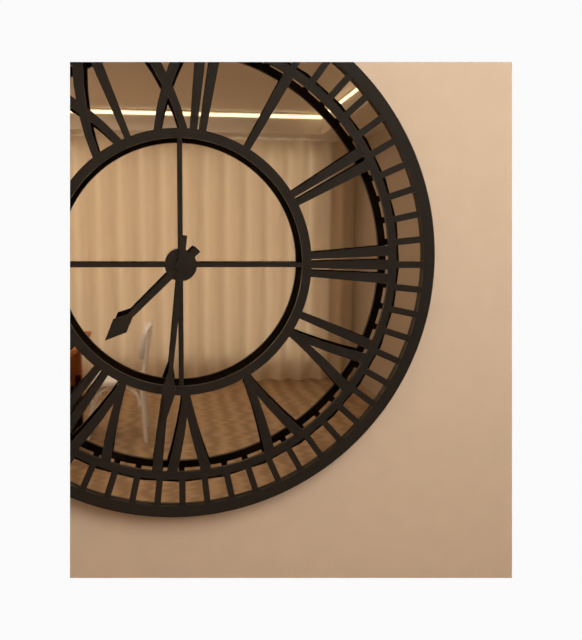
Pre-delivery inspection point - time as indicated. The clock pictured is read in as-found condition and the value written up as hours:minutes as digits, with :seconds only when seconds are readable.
7:31
